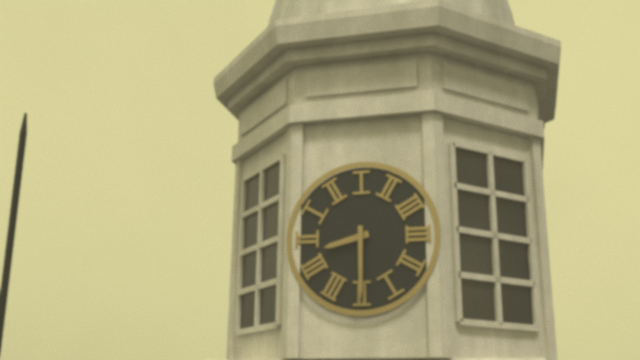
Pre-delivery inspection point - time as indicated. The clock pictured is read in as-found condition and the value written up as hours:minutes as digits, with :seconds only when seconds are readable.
8:30
